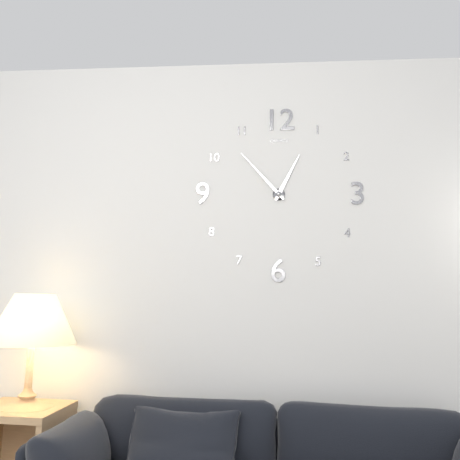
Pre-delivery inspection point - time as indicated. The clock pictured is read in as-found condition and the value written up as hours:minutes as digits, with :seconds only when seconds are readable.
12:53
